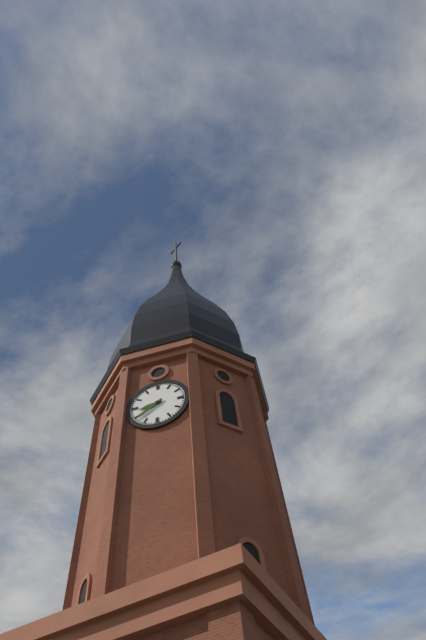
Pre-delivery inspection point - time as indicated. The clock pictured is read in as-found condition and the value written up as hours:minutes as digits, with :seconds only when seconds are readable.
8:39
